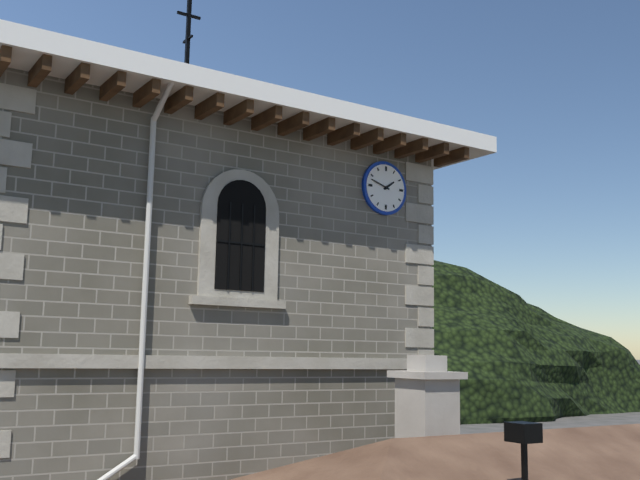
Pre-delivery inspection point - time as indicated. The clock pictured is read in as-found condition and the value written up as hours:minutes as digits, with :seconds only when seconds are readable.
1:48
